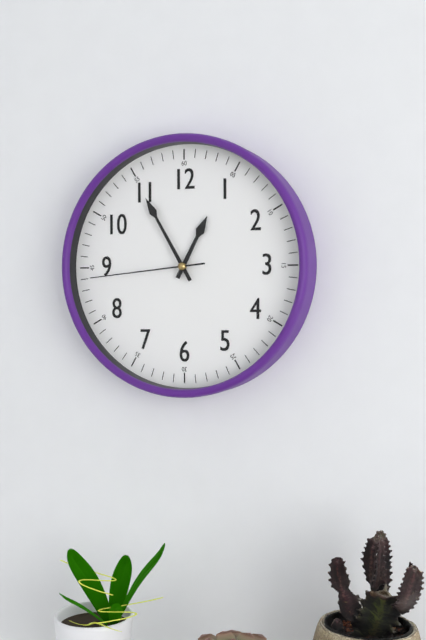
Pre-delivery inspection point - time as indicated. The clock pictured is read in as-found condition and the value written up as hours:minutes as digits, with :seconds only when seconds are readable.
12:55:44
